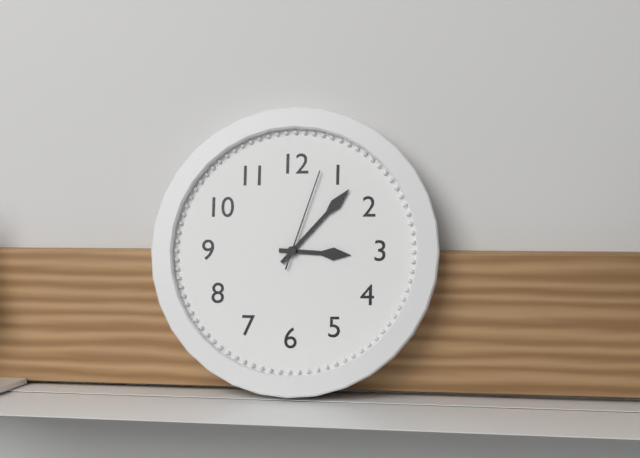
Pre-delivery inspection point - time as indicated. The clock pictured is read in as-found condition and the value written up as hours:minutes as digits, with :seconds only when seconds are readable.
3:07:03
